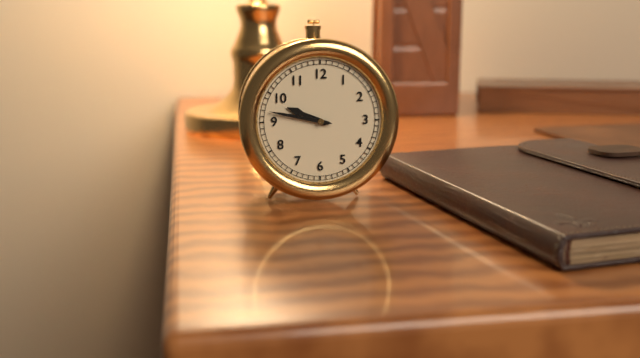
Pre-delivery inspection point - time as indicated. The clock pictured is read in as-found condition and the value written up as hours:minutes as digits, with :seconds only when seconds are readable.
9:47
